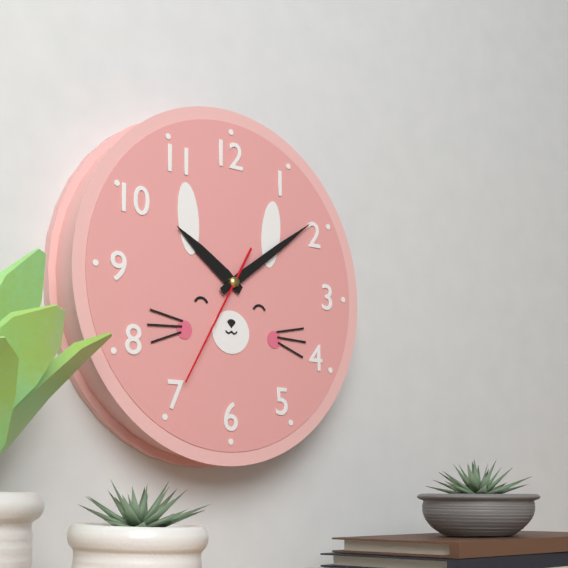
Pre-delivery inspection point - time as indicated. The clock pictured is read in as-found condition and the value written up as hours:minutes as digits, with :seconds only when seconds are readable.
10:09:35
